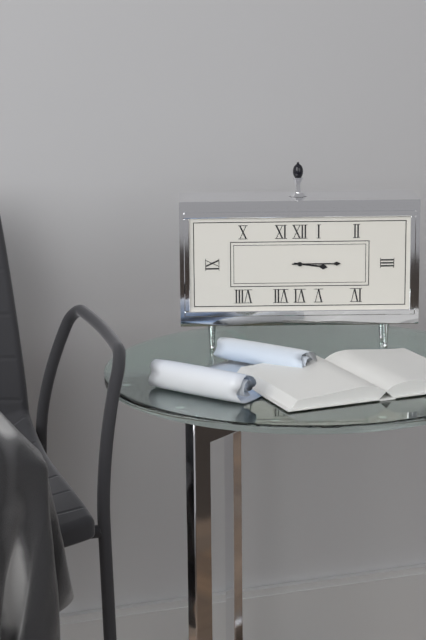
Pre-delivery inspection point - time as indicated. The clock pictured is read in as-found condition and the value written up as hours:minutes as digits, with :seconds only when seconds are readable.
3:15
